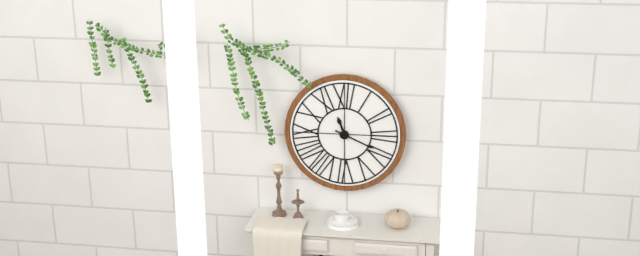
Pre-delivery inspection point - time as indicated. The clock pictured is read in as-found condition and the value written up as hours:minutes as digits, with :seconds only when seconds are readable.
11:19
